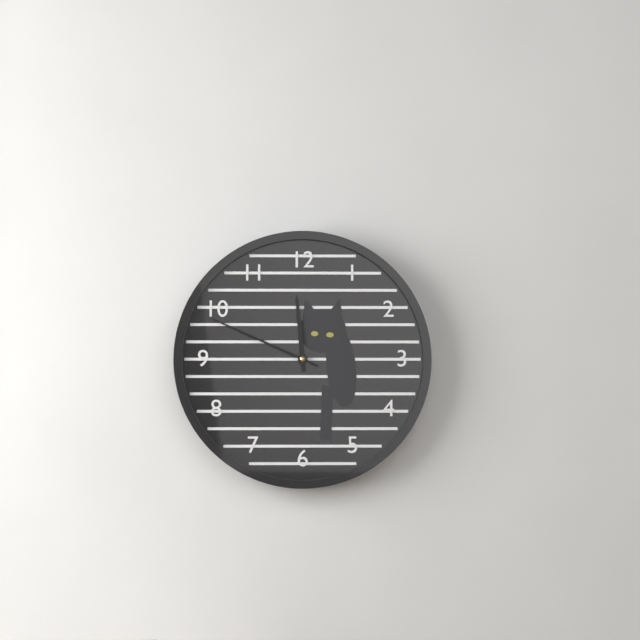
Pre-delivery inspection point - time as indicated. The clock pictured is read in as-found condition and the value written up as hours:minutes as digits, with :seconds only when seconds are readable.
11:49
